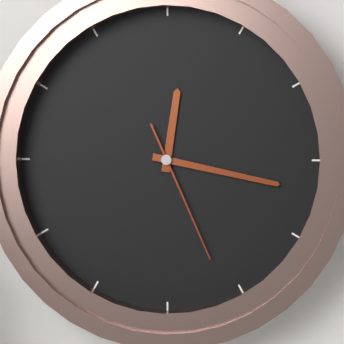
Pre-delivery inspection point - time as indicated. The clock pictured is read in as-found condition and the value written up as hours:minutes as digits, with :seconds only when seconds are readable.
12:17:26
